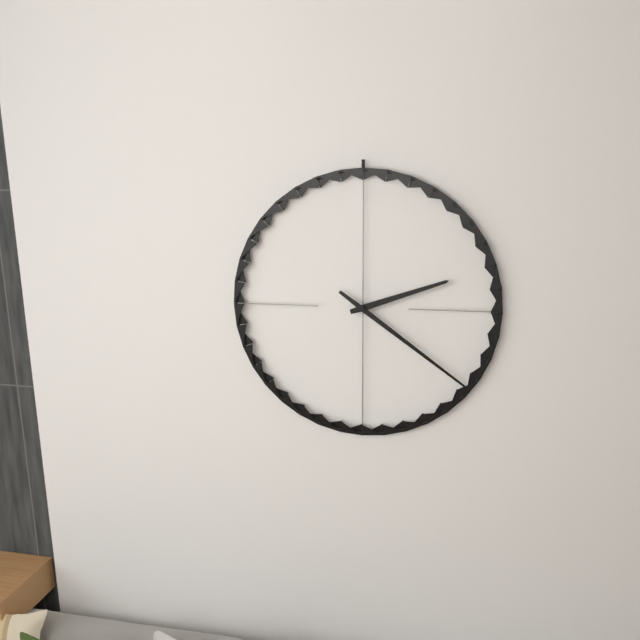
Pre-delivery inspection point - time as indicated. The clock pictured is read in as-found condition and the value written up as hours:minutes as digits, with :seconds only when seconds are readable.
2:21
